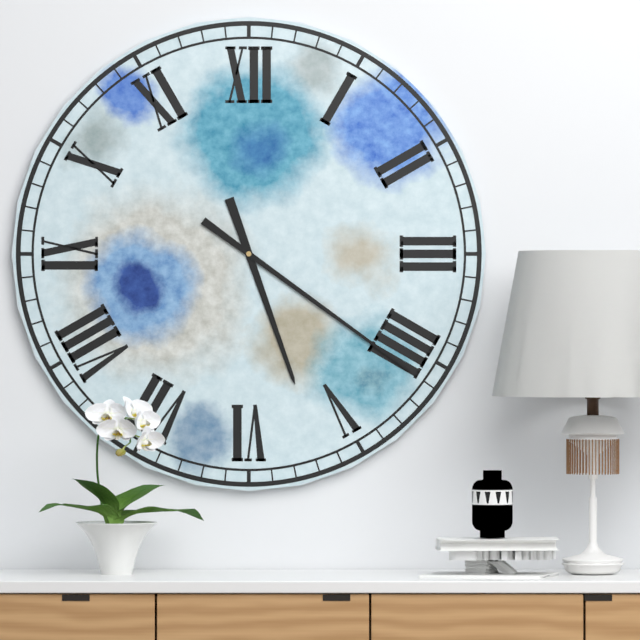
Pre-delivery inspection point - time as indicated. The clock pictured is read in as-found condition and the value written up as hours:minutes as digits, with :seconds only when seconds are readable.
5:21
